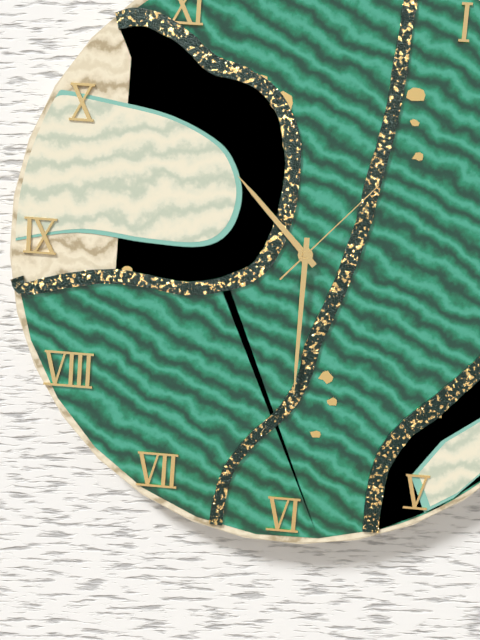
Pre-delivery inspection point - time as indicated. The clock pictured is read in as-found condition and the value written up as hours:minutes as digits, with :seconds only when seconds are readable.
10:30:07
